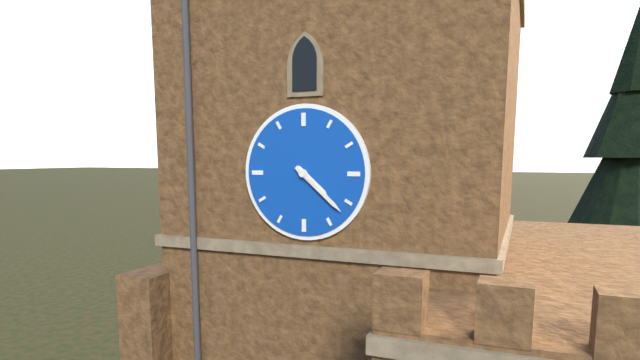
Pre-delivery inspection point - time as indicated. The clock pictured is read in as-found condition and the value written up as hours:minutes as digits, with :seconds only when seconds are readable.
4:22
